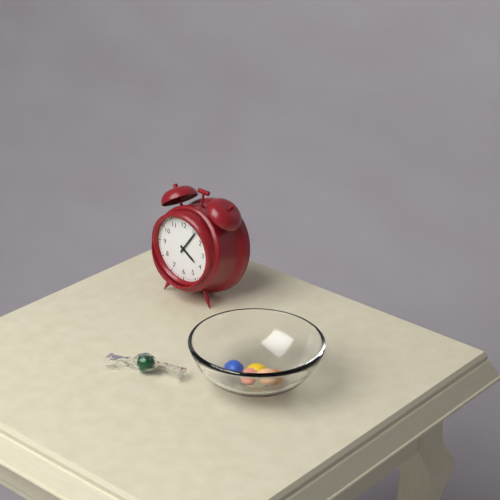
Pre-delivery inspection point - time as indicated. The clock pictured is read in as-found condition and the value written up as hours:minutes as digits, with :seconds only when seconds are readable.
4:06
